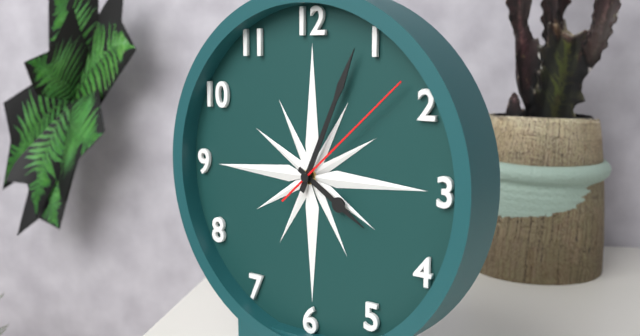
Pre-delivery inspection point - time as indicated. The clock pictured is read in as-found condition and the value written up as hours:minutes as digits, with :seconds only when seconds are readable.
4:04:08
